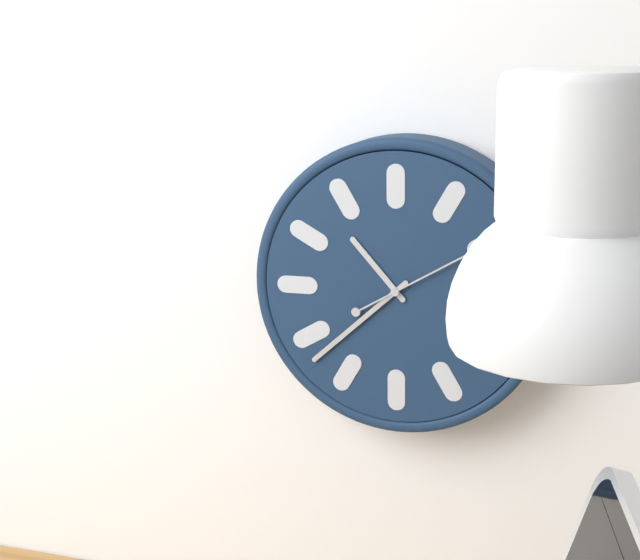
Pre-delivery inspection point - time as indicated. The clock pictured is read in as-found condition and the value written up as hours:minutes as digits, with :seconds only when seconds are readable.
10:38:10
